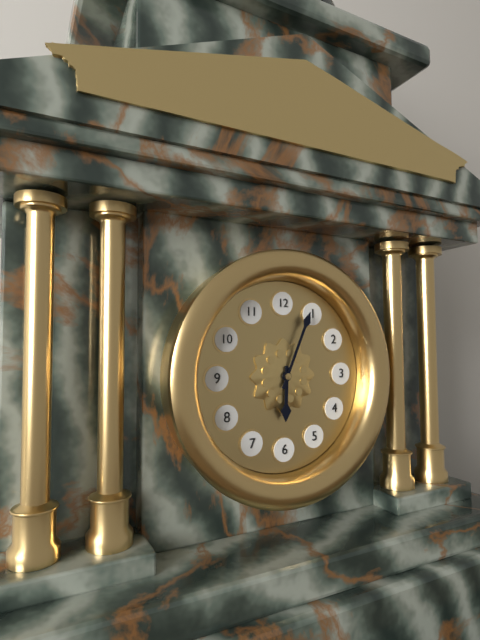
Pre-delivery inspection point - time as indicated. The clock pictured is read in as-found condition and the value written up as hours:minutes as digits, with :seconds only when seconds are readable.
6:04
